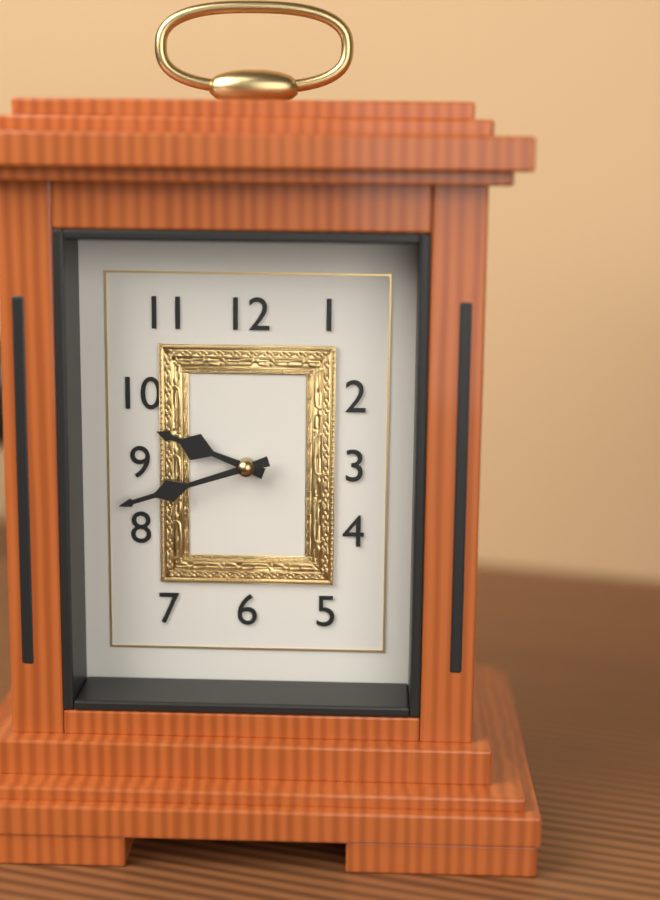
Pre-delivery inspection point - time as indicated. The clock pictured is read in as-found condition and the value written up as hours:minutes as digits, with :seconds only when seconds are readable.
9:42
